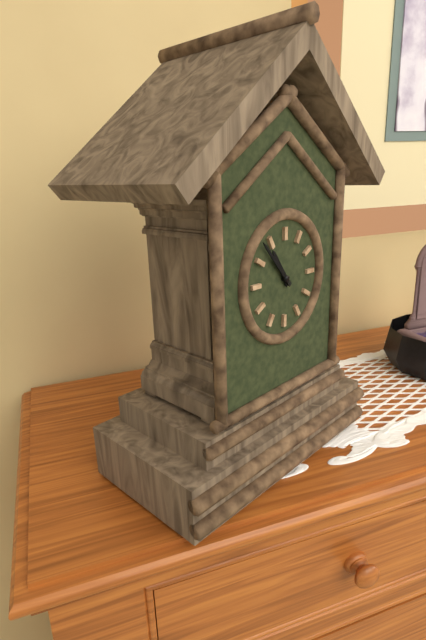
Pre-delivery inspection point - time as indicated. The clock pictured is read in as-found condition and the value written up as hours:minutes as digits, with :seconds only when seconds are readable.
10:53
